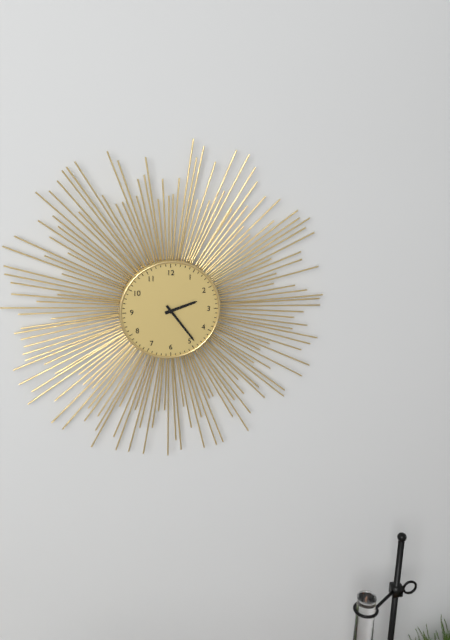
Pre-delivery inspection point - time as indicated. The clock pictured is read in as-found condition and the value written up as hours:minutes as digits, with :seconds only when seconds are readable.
2:24
